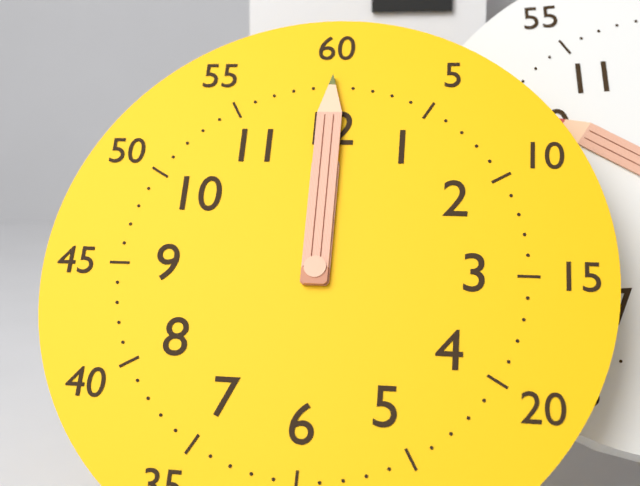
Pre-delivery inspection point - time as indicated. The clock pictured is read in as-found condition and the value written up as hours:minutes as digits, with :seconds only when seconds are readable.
12:00
